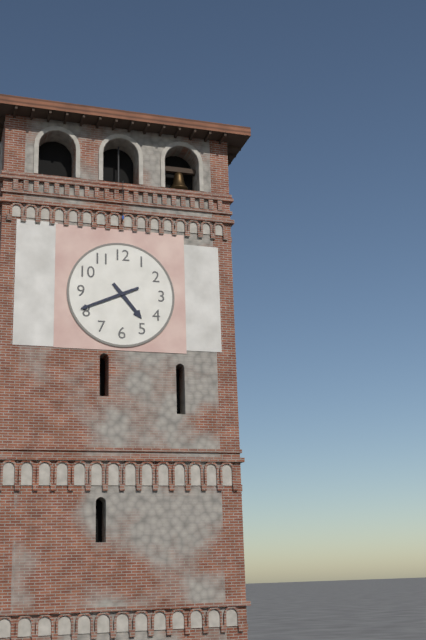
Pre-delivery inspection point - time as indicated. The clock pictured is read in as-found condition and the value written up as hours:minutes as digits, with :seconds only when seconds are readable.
4:41
